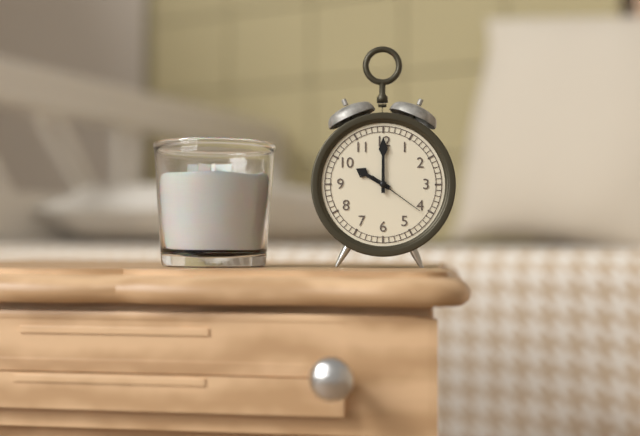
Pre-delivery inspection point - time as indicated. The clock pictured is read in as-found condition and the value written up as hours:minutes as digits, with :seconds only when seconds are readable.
10:00:21
